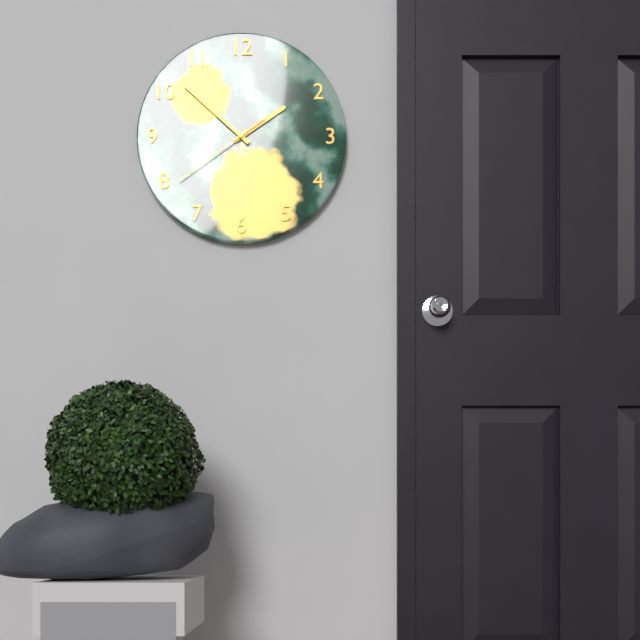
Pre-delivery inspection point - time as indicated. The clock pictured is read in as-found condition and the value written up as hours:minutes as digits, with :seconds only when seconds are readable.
1:52:39
